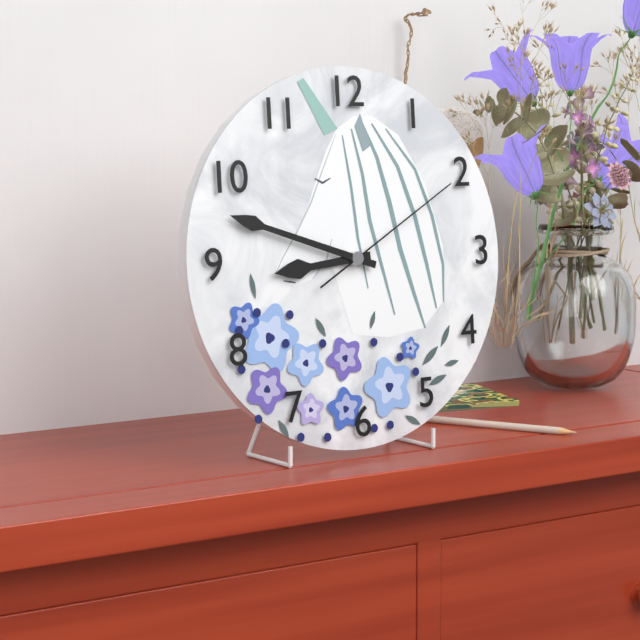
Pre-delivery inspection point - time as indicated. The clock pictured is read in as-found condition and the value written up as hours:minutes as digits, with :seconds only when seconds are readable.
8:48:10
